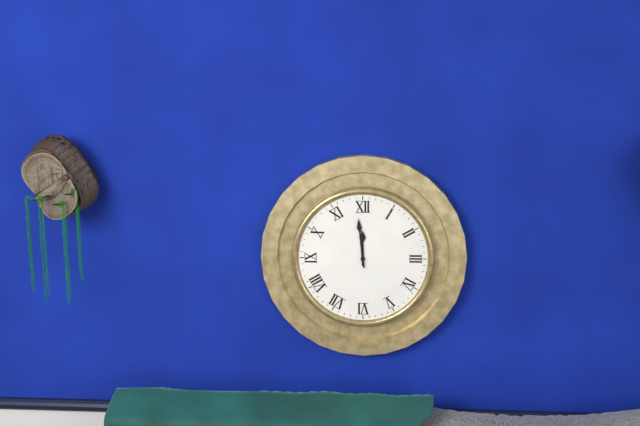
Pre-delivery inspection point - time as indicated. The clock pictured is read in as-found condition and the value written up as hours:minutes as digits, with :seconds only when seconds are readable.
11:59
